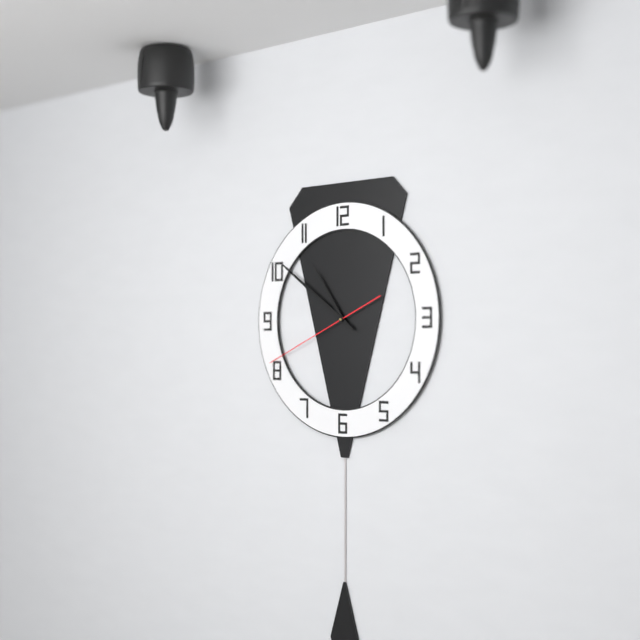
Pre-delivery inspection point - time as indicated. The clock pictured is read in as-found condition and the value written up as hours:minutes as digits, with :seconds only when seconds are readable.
10:51:41
